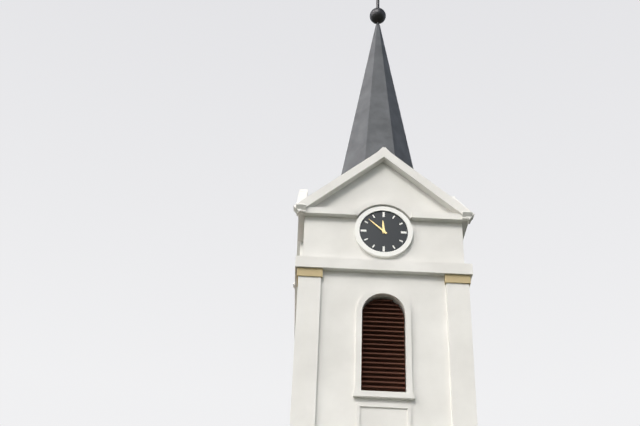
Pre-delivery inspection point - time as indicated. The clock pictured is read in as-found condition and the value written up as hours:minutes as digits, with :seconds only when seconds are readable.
11:52
